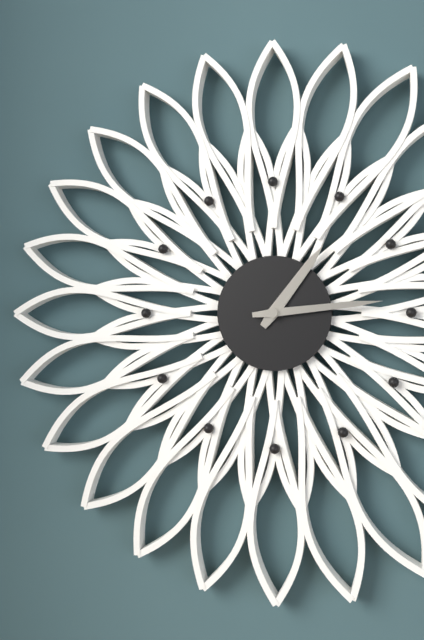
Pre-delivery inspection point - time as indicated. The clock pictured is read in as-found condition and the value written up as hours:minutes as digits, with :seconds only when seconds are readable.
1:14
